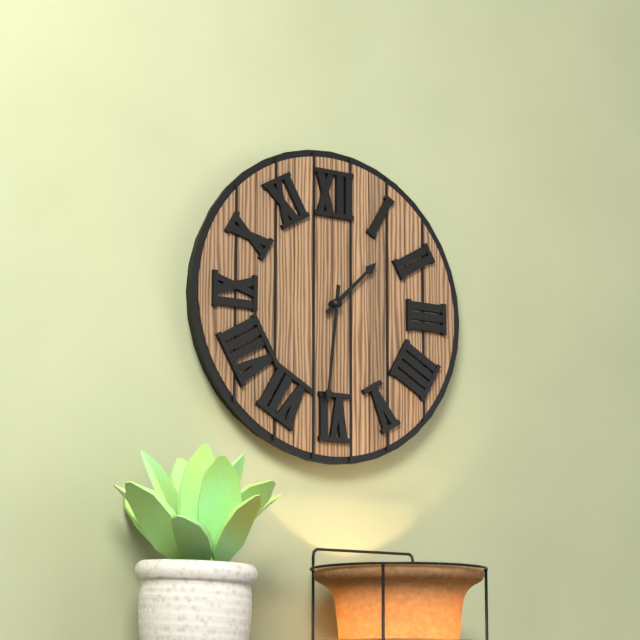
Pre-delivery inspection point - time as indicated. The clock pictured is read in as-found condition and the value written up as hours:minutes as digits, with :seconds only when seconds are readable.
1:31
